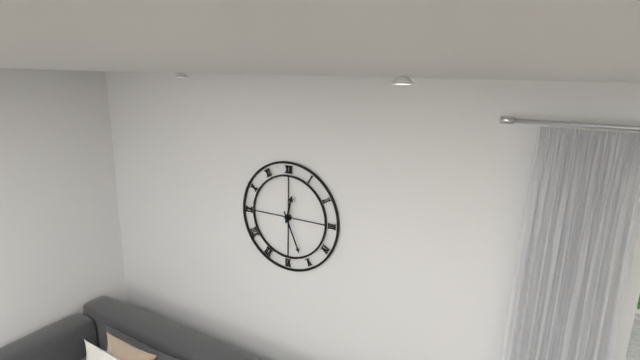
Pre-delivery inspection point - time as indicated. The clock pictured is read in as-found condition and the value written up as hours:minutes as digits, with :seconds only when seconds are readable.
12:26
